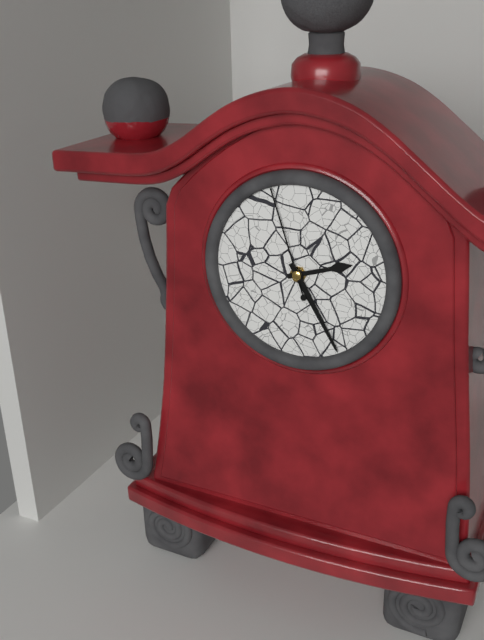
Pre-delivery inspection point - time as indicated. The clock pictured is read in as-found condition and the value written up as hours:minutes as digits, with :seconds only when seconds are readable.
2:25:57
